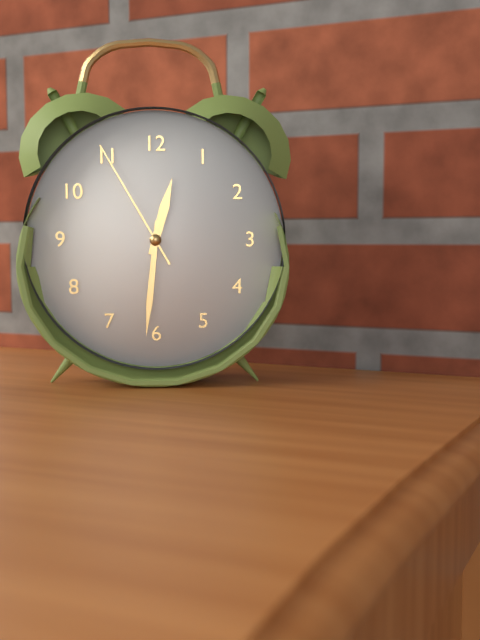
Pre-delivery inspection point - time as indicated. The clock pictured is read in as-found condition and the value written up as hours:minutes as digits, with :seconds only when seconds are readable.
12:31:55
